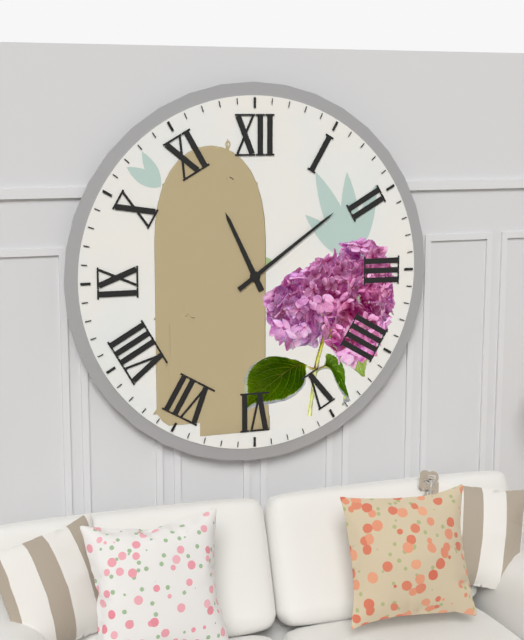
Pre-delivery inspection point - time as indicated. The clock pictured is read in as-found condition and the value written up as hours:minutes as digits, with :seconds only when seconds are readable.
11:09
